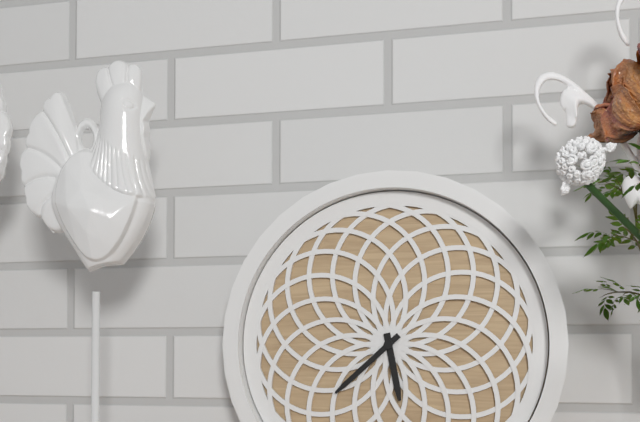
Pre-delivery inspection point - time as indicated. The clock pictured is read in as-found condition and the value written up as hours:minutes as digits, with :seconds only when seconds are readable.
5:38
